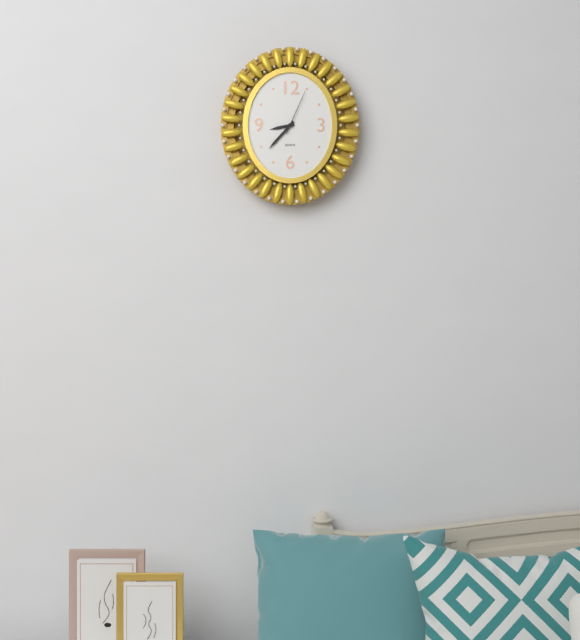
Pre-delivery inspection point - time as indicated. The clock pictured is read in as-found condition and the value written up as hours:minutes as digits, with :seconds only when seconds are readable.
8:37
